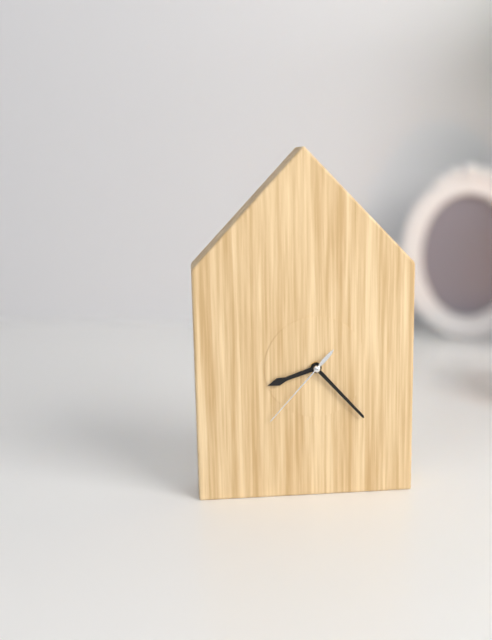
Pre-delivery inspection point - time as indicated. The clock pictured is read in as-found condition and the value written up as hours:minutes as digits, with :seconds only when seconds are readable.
8:23:37
